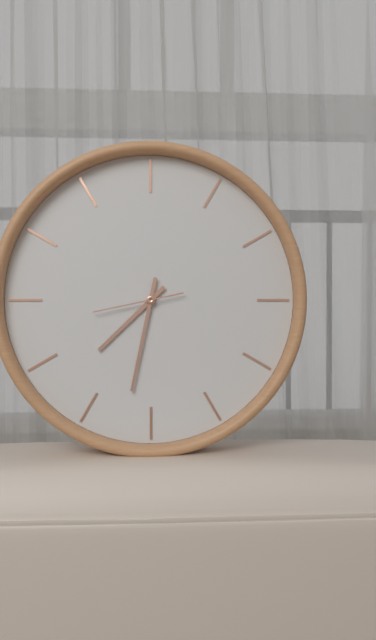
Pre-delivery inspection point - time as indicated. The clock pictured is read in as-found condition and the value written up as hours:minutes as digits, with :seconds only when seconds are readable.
7:32:43
